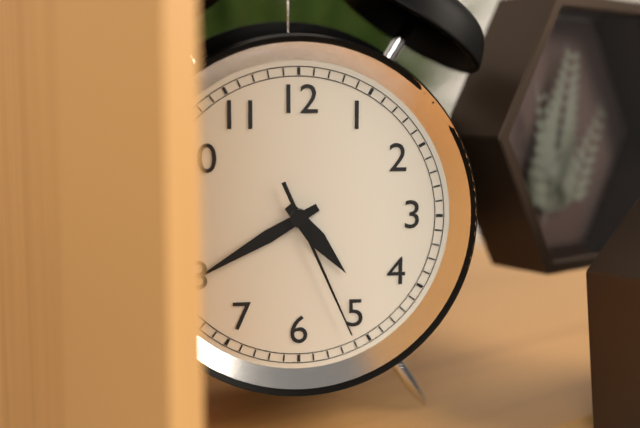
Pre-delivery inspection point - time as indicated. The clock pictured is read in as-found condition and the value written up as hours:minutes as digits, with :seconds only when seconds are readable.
4:40:26
